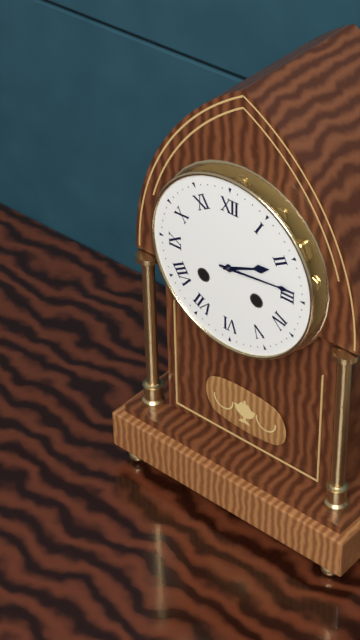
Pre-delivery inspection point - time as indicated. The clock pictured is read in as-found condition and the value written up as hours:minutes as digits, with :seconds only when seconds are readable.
2:14
